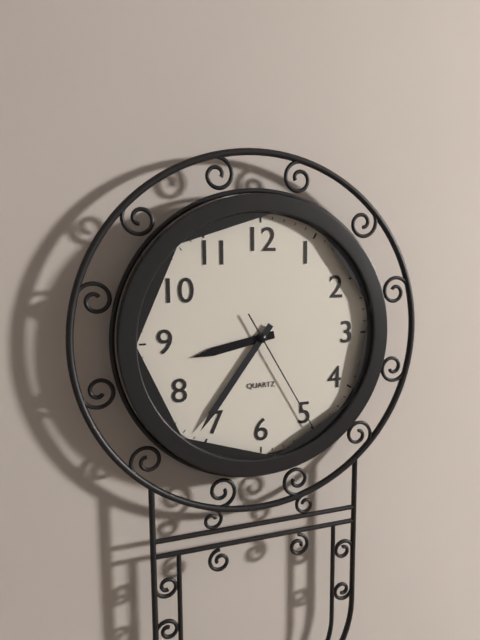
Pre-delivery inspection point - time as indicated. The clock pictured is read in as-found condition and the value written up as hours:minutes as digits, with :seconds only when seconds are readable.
8:36:25
